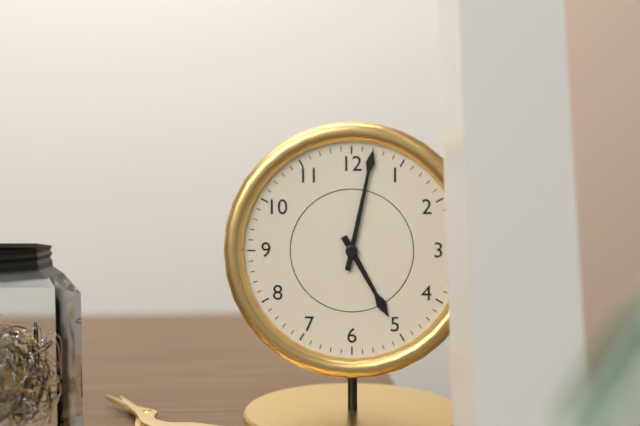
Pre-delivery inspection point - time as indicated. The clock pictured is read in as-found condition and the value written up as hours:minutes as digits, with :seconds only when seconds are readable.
5:02
